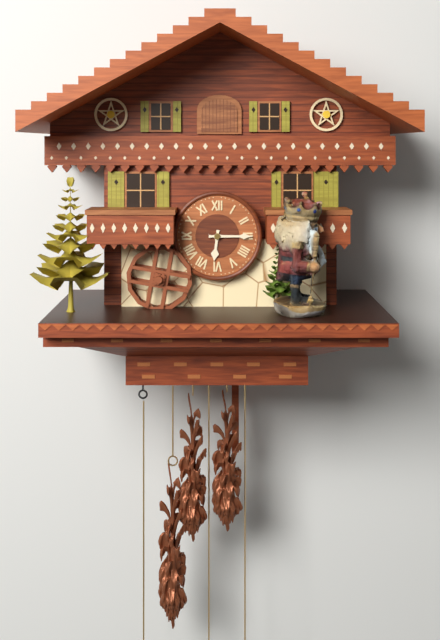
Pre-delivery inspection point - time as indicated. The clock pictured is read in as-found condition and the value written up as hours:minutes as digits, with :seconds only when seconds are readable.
6:15
